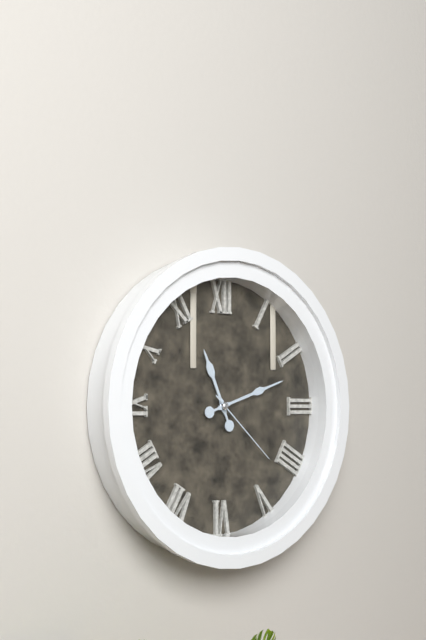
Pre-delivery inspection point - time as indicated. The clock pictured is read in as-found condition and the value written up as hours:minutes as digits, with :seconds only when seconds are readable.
11:12:22
